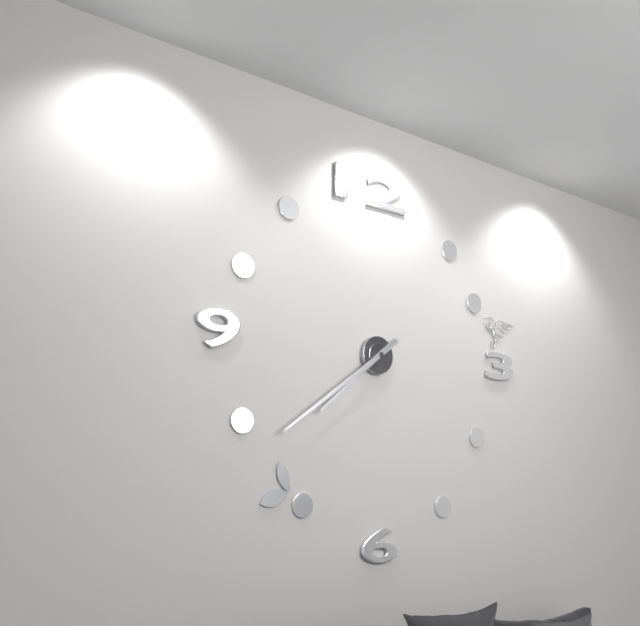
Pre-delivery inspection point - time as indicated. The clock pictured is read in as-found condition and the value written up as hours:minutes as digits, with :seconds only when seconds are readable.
7:39
